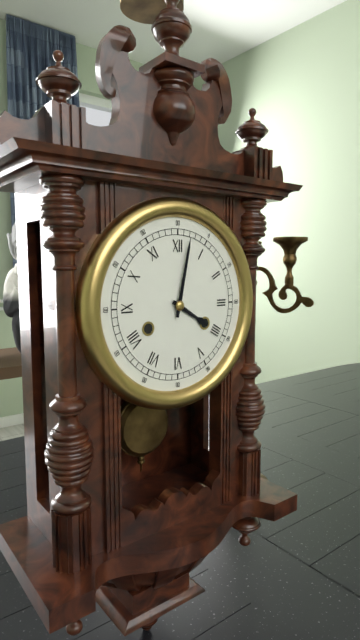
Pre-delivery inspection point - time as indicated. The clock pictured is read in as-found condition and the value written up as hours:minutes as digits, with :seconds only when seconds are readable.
4:02
